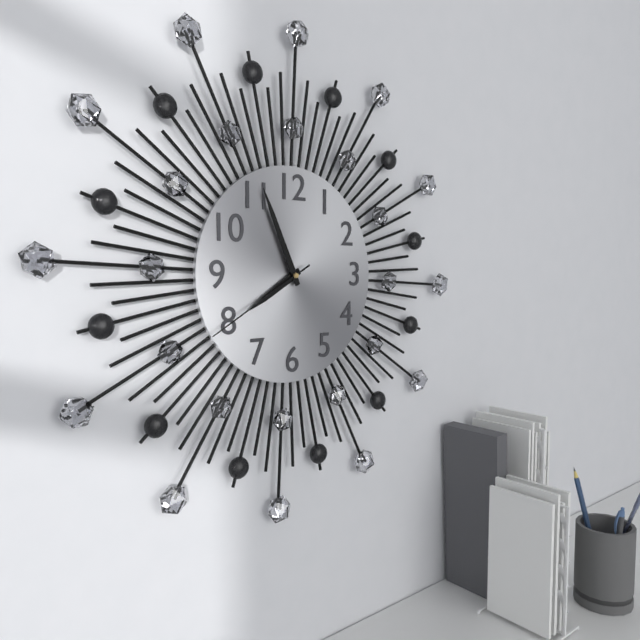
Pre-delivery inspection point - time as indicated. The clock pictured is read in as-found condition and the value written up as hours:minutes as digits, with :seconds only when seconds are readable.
7:56:40
